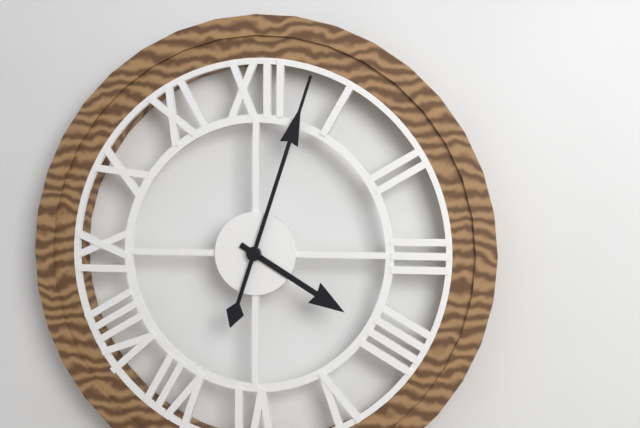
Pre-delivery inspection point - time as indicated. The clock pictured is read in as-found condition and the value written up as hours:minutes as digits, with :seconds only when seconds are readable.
4:03
